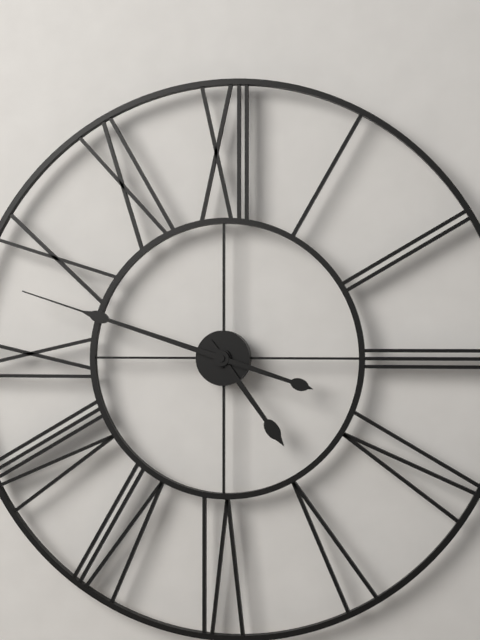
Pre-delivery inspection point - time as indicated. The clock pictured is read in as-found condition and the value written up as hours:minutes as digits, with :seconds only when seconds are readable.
4:48
